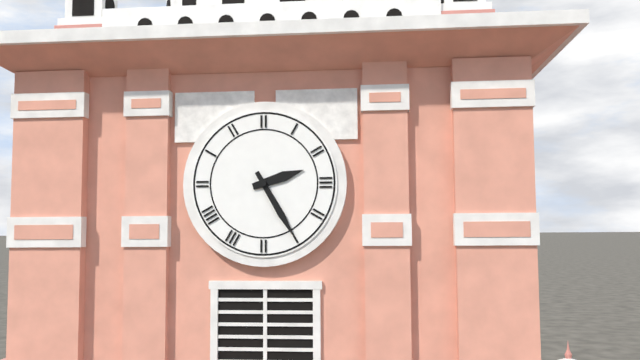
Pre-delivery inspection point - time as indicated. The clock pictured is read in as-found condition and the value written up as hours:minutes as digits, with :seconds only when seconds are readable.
2:25
